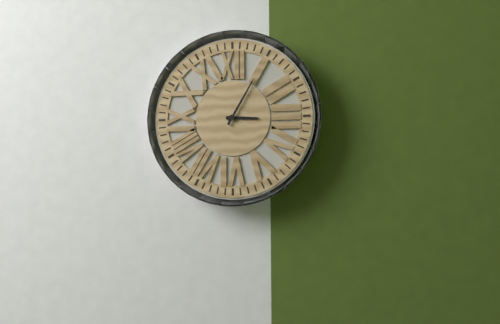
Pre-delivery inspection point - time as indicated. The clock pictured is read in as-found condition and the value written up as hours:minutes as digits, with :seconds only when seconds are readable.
3:05
